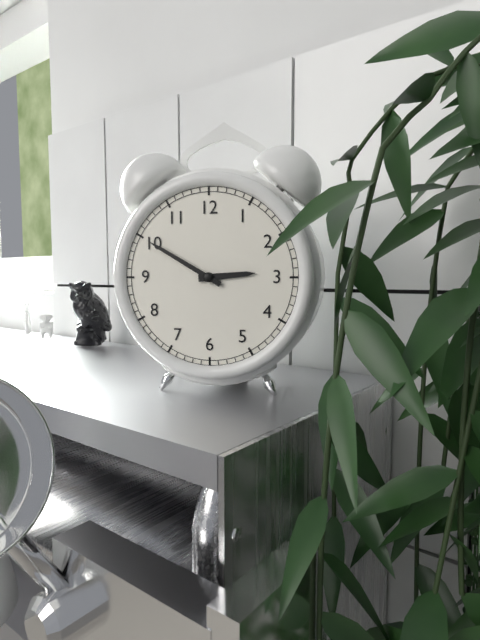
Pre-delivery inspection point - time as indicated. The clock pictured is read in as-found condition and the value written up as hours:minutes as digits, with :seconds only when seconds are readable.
2:50
